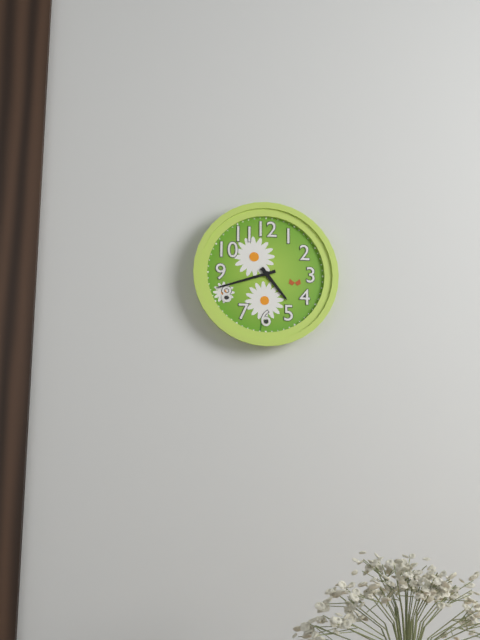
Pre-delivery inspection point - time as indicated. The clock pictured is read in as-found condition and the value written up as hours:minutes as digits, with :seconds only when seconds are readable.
4:42
